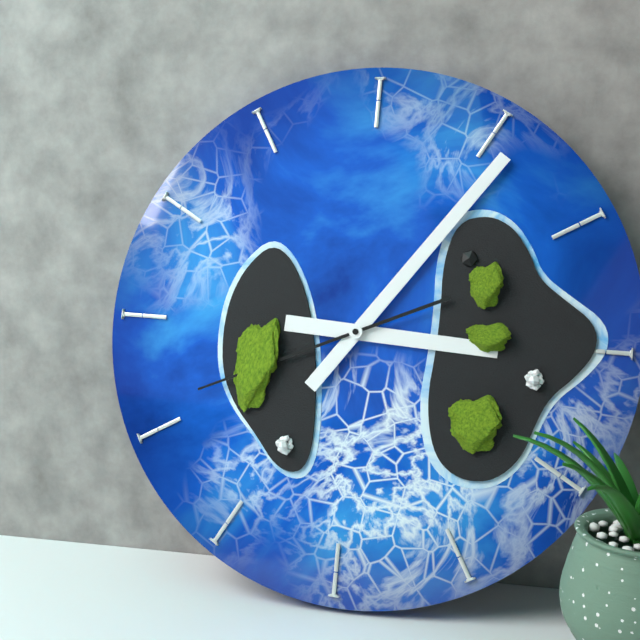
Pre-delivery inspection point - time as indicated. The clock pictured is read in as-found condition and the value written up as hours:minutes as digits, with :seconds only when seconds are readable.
3:06:41
